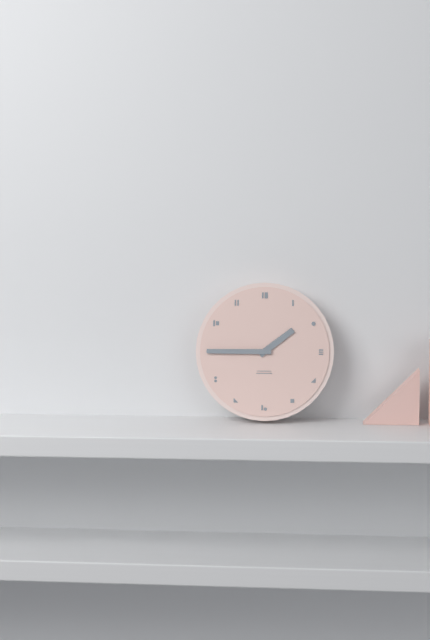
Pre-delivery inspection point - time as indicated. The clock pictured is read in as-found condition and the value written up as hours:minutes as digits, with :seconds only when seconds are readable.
1:45
